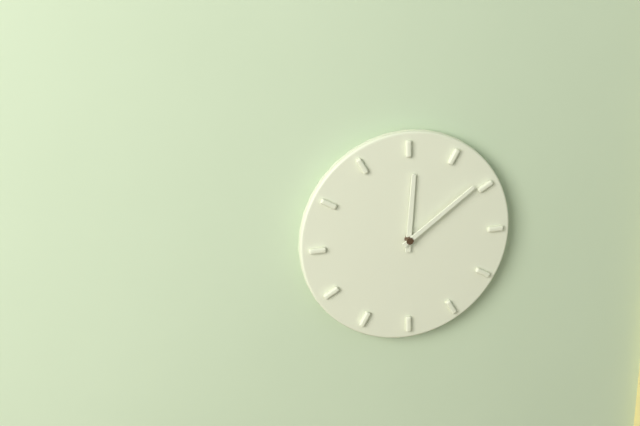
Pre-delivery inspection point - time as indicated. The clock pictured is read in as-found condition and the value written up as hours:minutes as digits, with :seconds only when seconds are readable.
12:09
